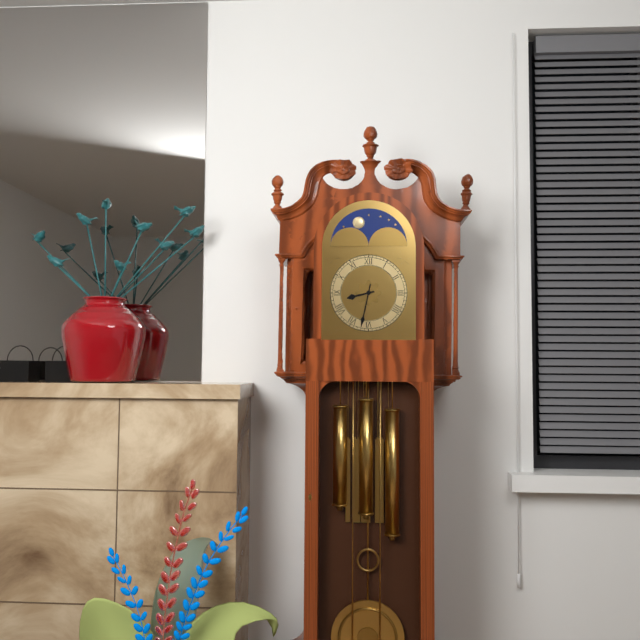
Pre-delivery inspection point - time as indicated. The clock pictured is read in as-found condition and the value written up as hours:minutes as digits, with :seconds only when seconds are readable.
8:32
